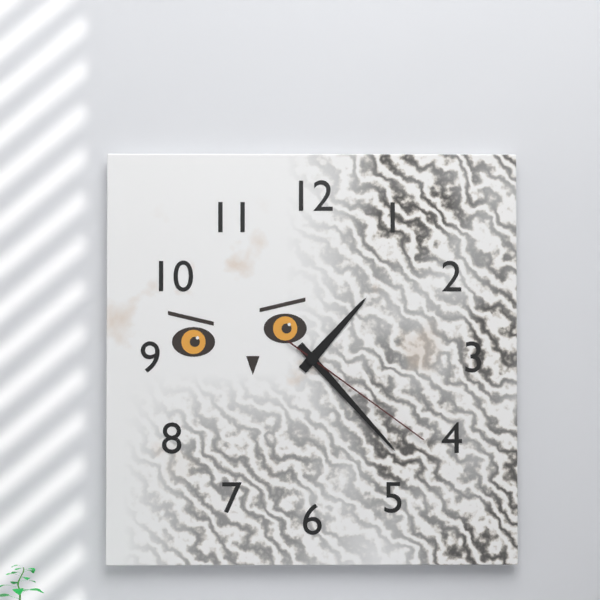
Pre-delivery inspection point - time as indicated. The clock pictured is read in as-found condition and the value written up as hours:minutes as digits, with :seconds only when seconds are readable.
1:23:21
